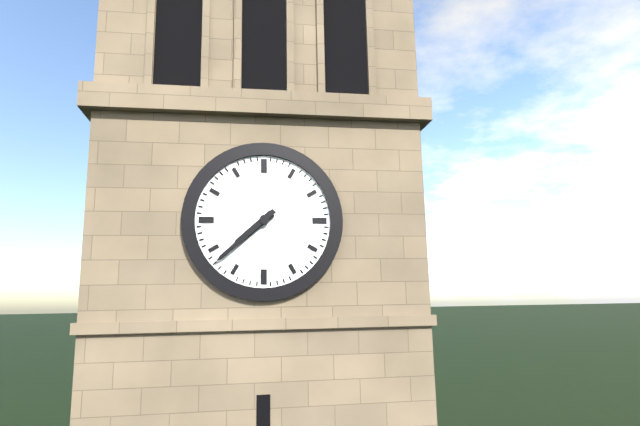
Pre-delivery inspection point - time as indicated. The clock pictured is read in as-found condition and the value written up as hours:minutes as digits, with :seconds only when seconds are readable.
7:38
